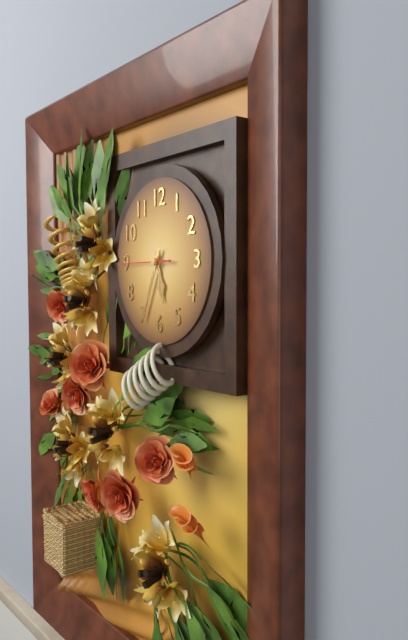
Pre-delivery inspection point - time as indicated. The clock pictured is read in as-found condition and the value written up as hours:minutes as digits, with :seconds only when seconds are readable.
5:34
